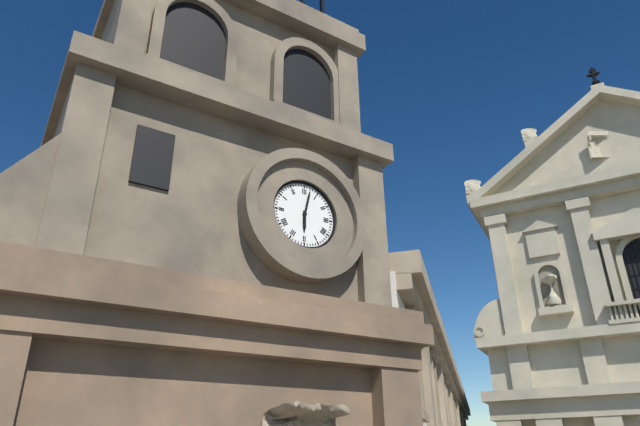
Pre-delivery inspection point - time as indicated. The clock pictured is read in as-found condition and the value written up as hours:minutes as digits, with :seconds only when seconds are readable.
6:02
